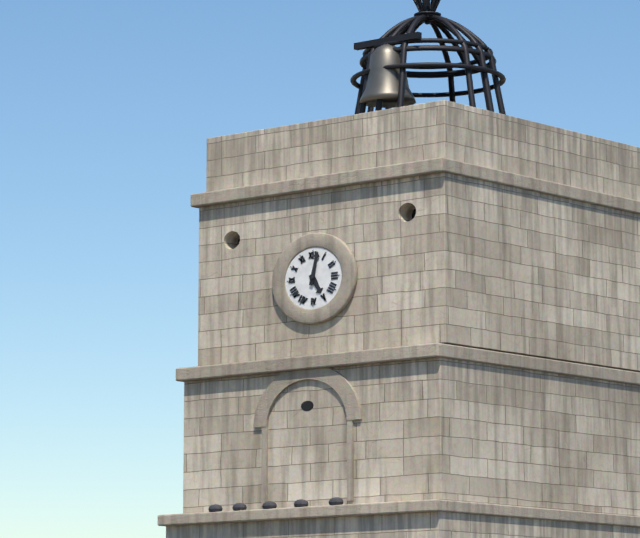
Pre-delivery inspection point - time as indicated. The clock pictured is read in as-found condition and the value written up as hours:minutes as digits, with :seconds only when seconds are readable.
5:02
